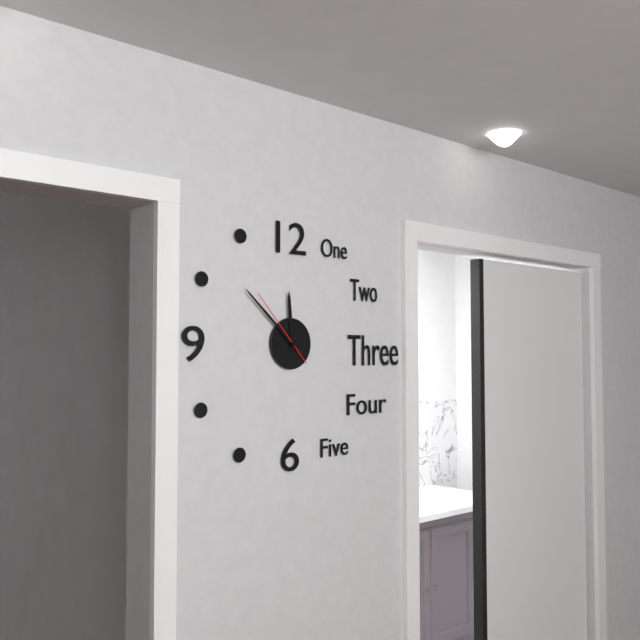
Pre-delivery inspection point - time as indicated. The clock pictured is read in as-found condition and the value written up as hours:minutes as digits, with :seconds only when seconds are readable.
11:52:53
